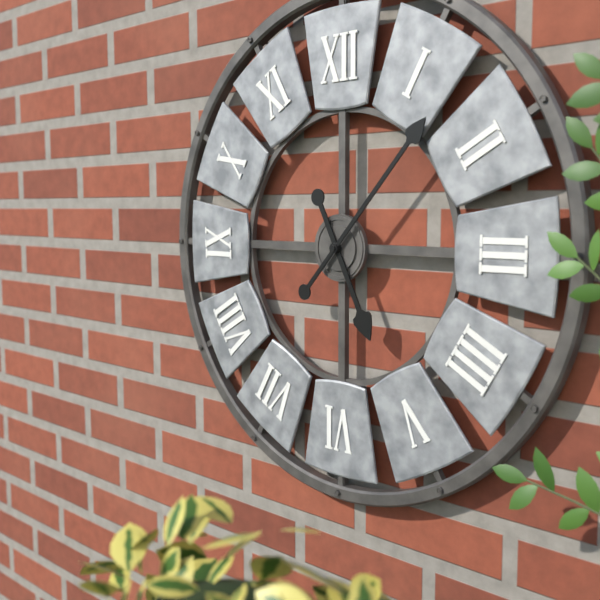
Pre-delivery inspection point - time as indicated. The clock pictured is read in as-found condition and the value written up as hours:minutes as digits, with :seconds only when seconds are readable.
5:07
